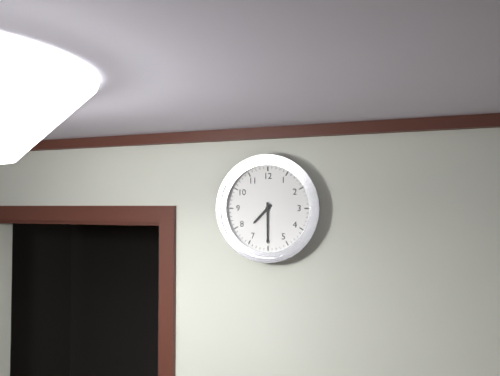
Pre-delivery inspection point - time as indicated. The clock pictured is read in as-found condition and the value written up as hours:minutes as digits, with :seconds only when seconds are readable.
7:30
